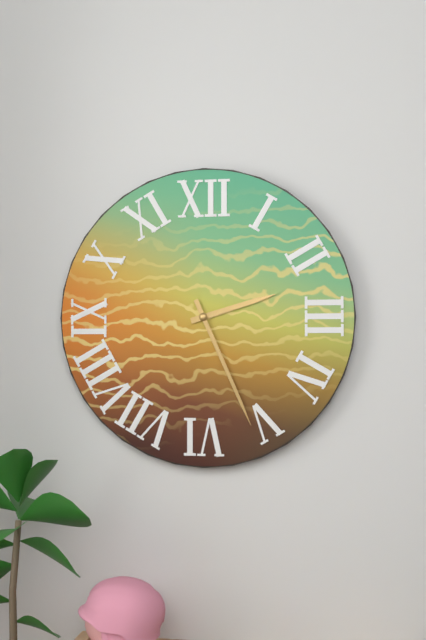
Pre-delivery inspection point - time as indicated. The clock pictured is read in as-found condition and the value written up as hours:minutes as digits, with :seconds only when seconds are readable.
2:26
